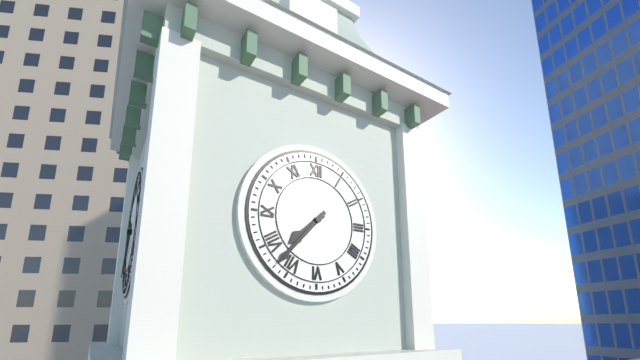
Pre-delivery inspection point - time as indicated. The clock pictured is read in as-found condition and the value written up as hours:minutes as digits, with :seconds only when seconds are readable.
7:37
